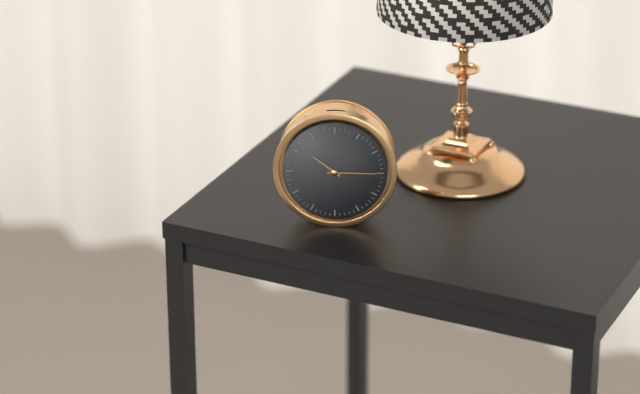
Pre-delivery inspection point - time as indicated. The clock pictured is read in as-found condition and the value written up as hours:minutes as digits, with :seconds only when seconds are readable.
10:15
